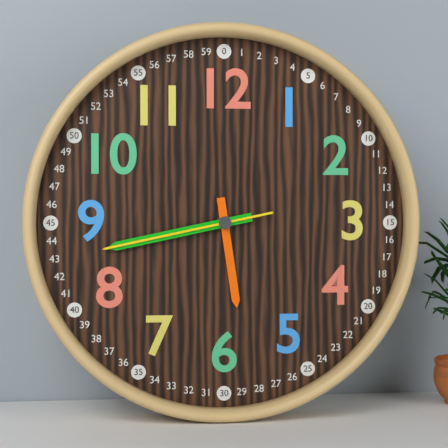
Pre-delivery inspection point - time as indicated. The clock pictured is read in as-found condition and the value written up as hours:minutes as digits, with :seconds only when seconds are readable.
5:43:43
